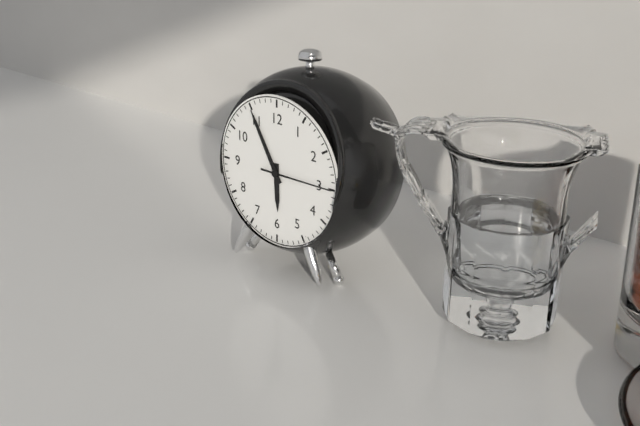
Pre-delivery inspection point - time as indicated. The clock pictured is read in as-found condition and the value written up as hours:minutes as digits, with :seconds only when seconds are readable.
5:55:15
